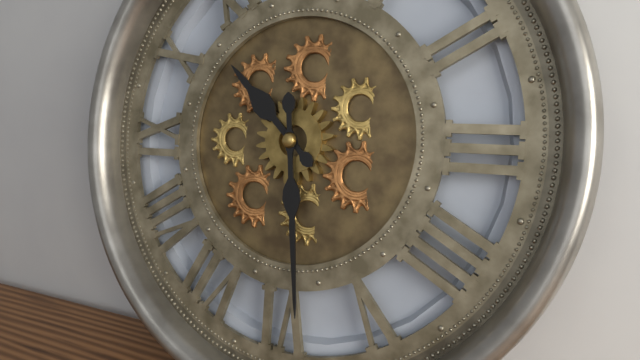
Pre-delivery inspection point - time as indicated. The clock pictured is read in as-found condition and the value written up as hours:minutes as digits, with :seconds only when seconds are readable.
10:29
